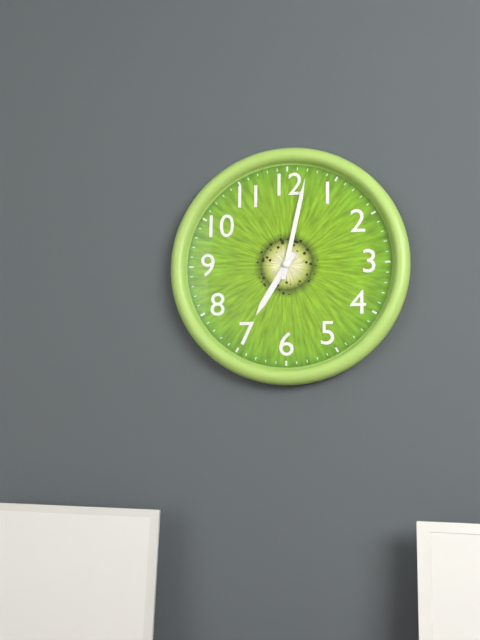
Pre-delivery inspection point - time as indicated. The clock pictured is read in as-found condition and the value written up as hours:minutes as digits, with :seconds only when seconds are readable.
7:02
